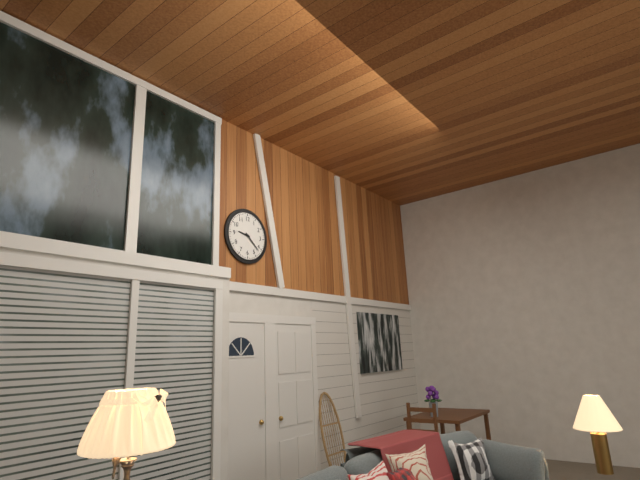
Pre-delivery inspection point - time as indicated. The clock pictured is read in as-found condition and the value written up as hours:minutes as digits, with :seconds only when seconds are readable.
9:22
